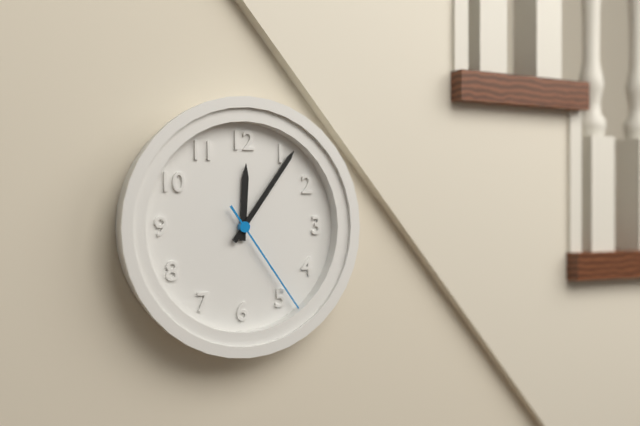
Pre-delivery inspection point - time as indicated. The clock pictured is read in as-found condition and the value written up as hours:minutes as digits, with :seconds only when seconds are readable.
12:06:24
